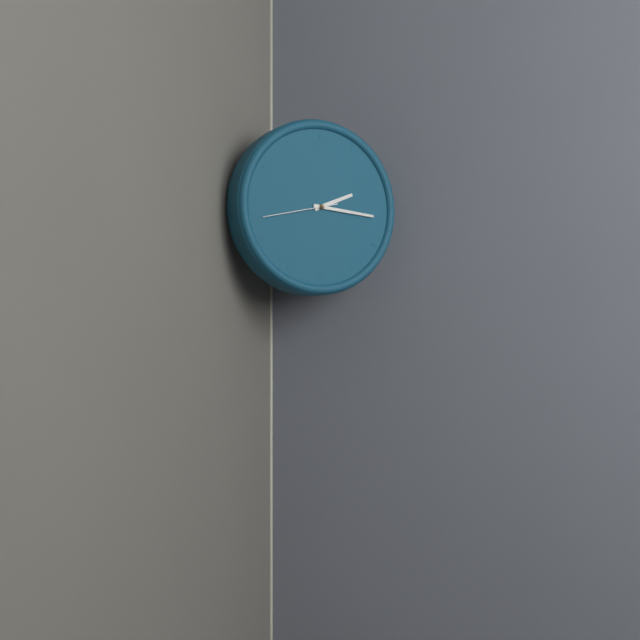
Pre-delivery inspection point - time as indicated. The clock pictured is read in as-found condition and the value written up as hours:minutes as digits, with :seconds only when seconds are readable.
2:16:43
